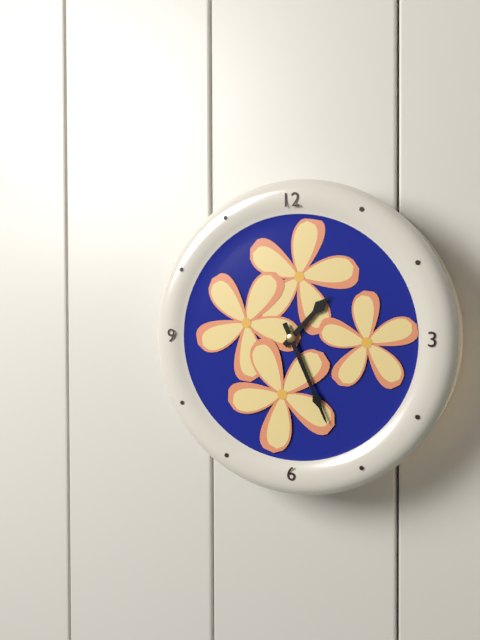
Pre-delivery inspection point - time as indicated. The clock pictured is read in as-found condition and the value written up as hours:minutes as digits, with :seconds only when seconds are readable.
1:26
